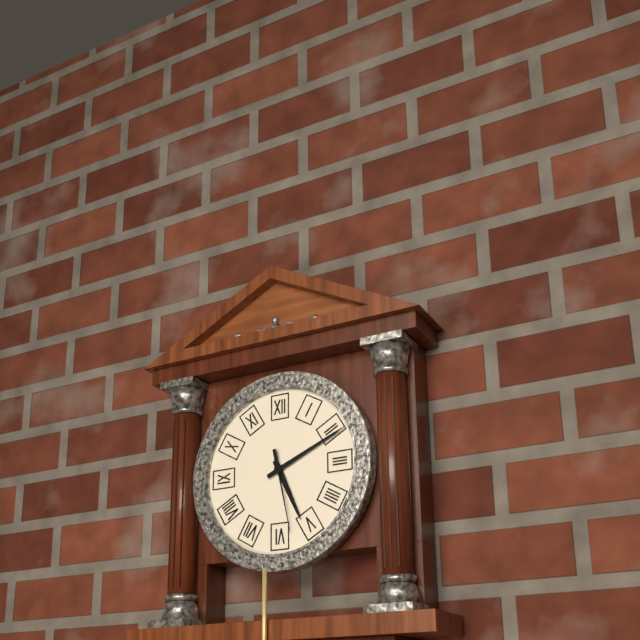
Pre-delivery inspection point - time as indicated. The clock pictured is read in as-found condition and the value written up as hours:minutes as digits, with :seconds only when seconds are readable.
5:11:28
